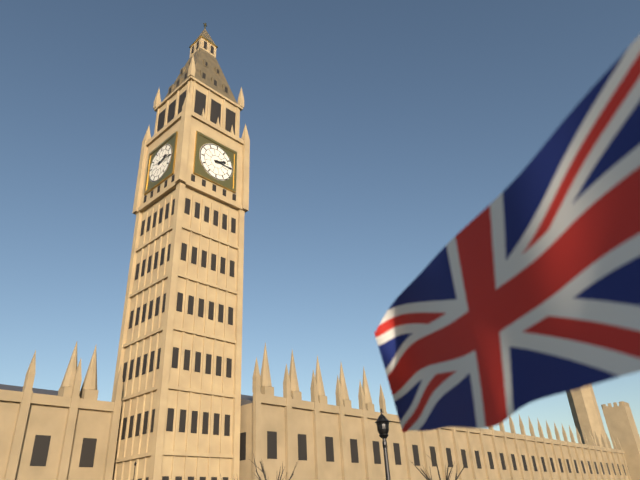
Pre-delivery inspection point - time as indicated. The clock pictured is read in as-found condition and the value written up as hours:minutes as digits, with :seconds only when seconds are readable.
2:15
